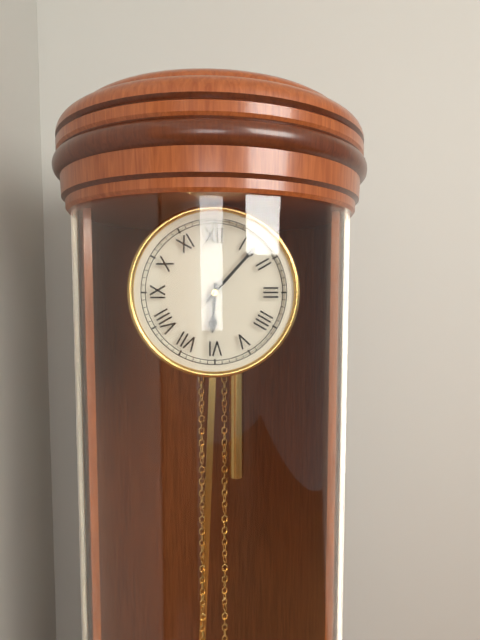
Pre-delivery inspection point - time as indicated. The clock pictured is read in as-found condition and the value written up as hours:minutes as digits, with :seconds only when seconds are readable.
6:07
